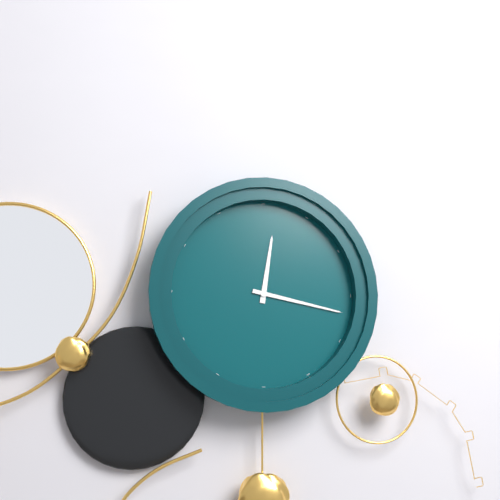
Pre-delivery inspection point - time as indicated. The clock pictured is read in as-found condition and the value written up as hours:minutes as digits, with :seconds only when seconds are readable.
12:17
